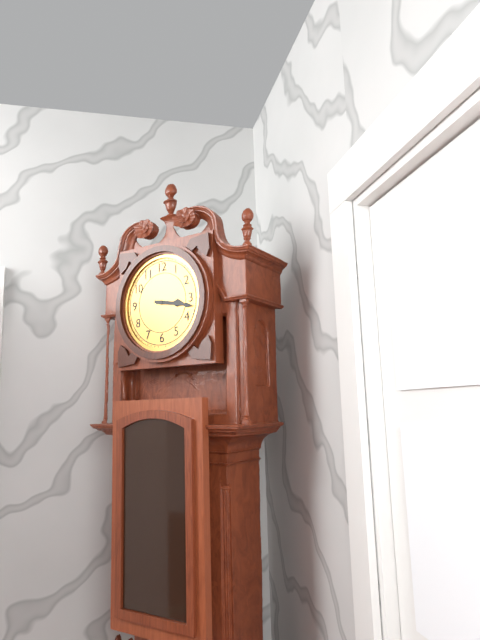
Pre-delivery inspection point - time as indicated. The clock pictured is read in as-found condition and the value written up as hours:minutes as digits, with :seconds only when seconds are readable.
3:17
